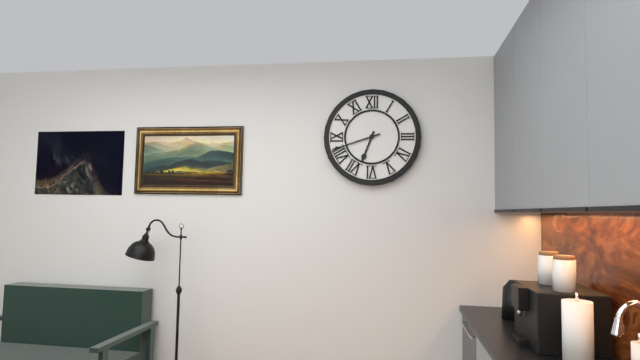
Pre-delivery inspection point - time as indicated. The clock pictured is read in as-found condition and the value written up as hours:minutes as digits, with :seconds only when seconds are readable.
6:42
